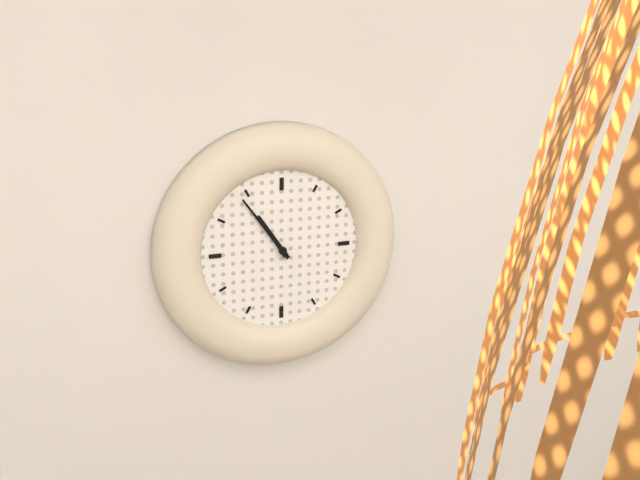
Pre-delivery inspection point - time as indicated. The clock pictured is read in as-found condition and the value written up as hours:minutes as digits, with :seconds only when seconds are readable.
10:54
